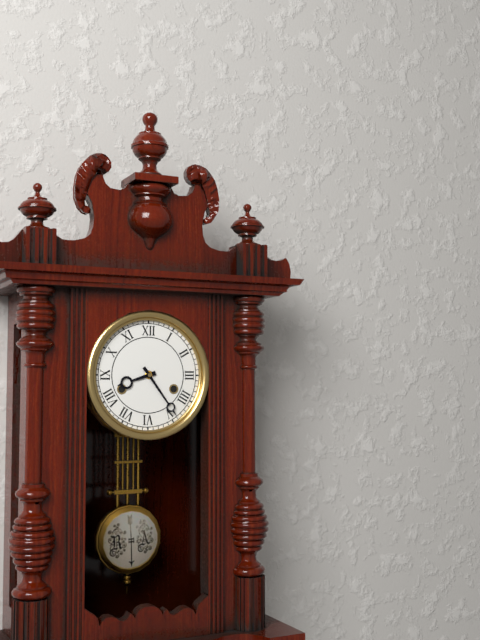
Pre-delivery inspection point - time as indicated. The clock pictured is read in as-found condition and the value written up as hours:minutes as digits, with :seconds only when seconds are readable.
8:24
